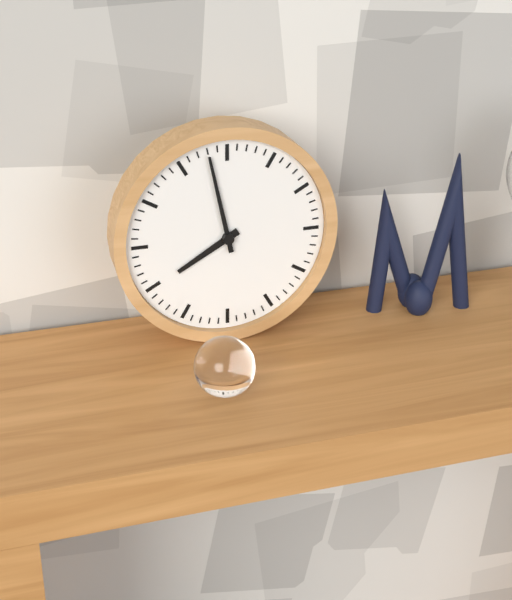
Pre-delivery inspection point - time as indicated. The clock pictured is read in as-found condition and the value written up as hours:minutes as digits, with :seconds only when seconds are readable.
7:58
